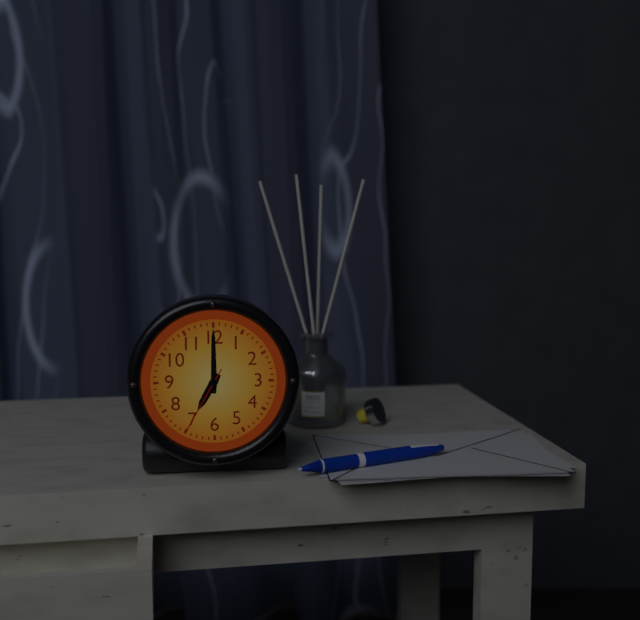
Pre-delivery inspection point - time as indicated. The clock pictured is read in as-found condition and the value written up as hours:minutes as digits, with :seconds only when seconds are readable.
7:00:35
